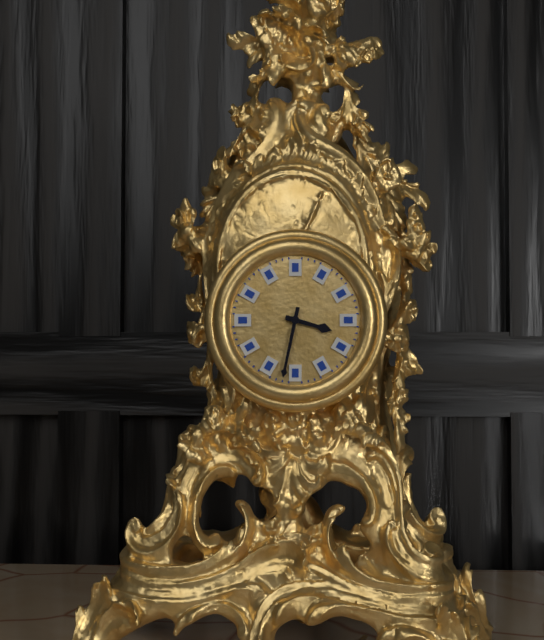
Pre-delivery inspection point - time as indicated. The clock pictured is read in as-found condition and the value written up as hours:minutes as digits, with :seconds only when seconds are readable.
3:32
